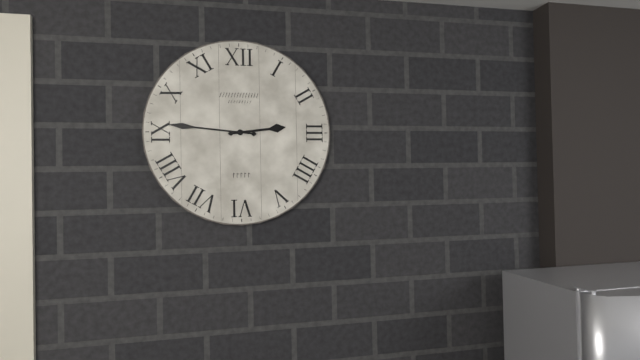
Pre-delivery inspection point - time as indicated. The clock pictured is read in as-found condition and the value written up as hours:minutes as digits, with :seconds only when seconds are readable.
2:46
